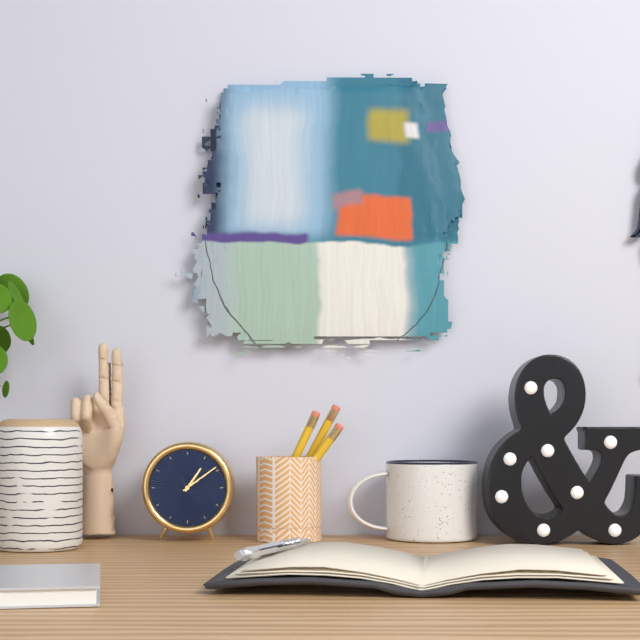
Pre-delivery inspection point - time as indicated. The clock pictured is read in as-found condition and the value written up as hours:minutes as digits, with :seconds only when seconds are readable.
1:09
